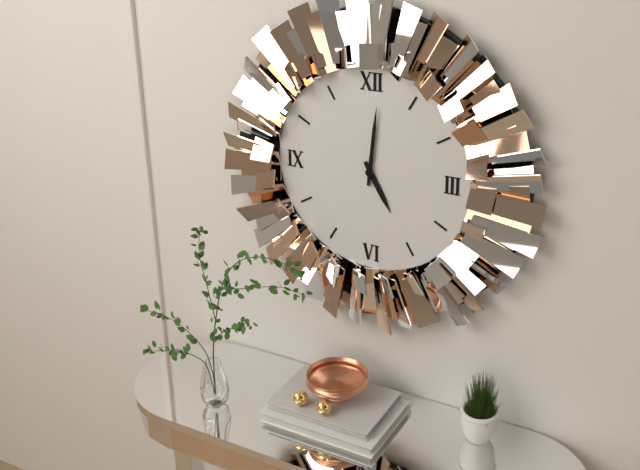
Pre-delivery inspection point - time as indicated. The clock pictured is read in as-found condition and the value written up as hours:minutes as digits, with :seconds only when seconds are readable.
5:01
